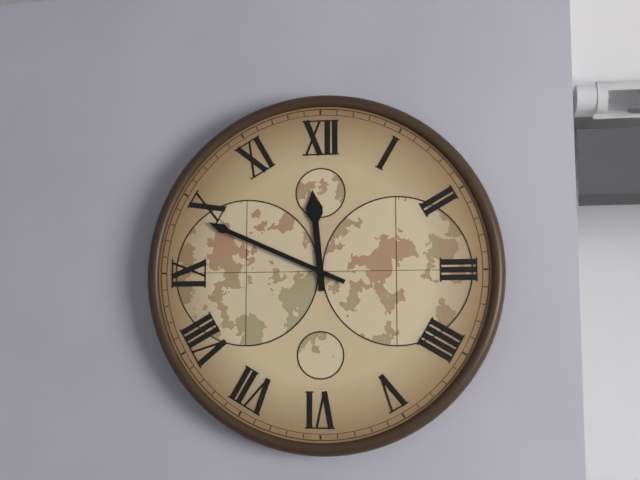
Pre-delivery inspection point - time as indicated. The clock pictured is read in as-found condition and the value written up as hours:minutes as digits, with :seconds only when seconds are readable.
11:49
